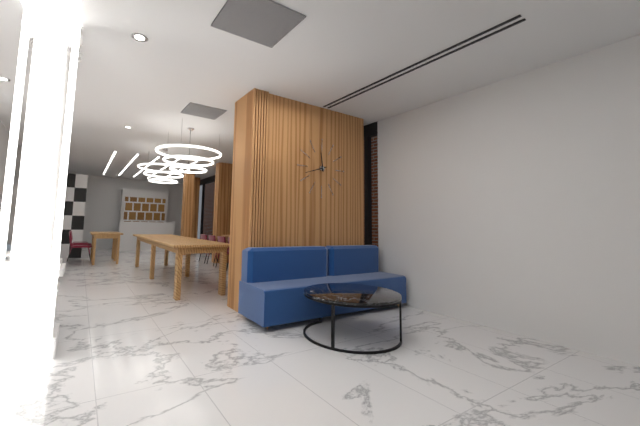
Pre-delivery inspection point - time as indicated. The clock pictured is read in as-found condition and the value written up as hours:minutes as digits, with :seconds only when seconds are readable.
11:42
